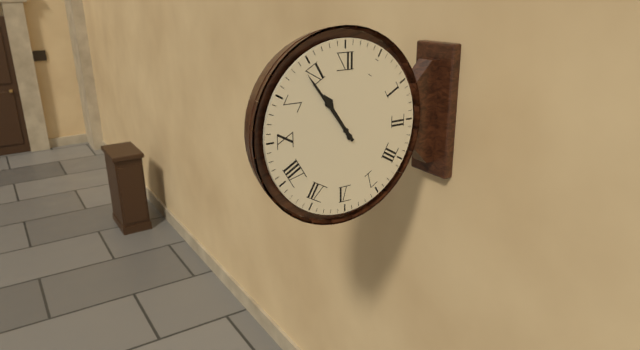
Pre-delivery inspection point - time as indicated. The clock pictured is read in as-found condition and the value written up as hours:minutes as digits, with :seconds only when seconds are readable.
10:54
